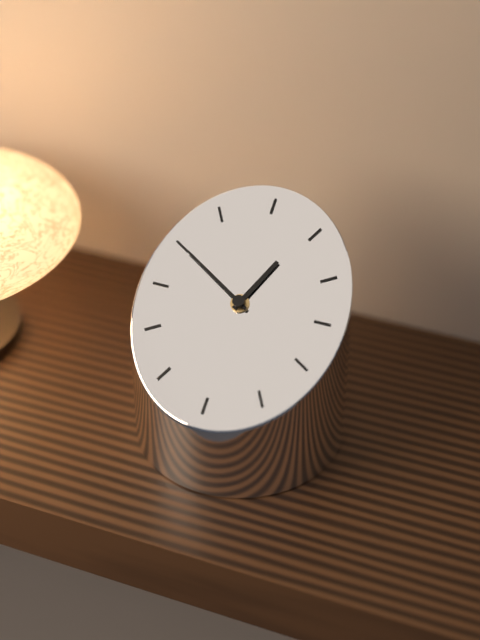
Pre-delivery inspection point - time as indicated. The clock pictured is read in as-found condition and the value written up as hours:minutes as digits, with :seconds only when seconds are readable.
12:50
